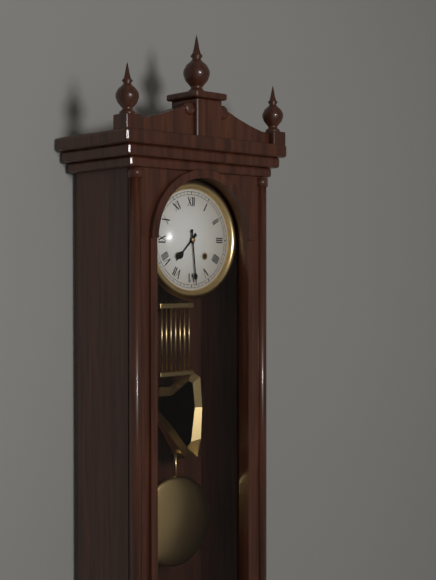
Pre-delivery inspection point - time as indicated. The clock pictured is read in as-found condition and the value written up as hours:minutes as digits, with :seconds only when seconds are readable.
7:29
